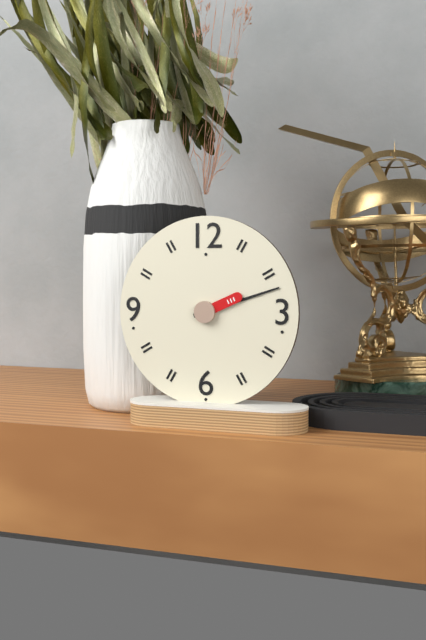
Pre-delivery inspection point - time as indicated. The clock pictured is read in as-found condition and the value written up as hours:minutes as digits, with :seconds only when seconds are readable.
2:12
